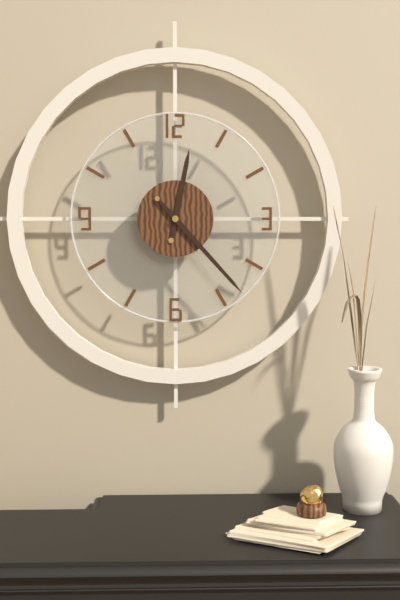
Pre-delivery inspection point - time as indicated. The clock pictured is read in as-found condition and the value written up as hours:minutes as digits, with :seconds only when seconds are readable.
12:23
